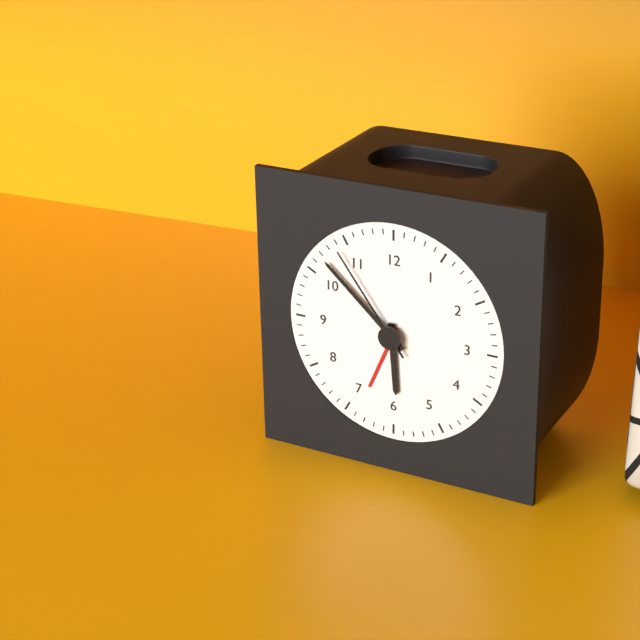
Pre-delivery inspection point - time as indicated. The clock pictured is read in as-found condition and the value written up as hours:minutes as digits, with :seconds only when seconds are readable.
5:52:54
